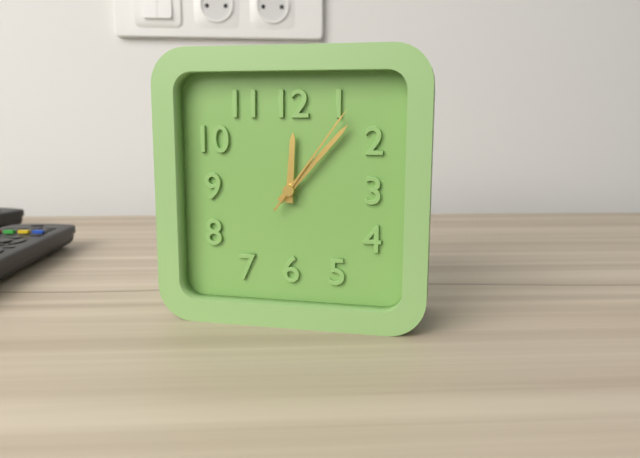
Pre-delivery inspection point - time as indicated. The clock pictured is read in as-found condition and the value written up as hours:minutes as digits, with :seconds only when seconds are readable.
12:07:06
